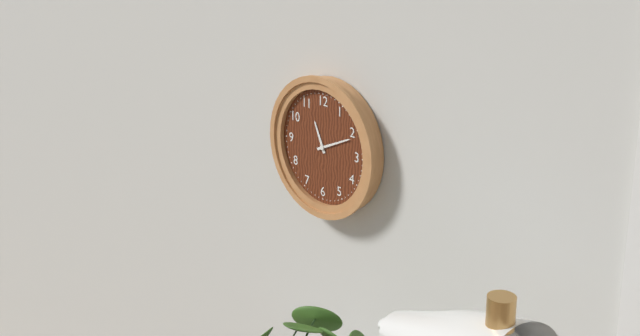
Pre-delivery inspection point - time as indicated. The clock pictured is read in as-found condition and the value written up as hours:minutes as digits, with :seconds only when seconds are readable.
11:11
